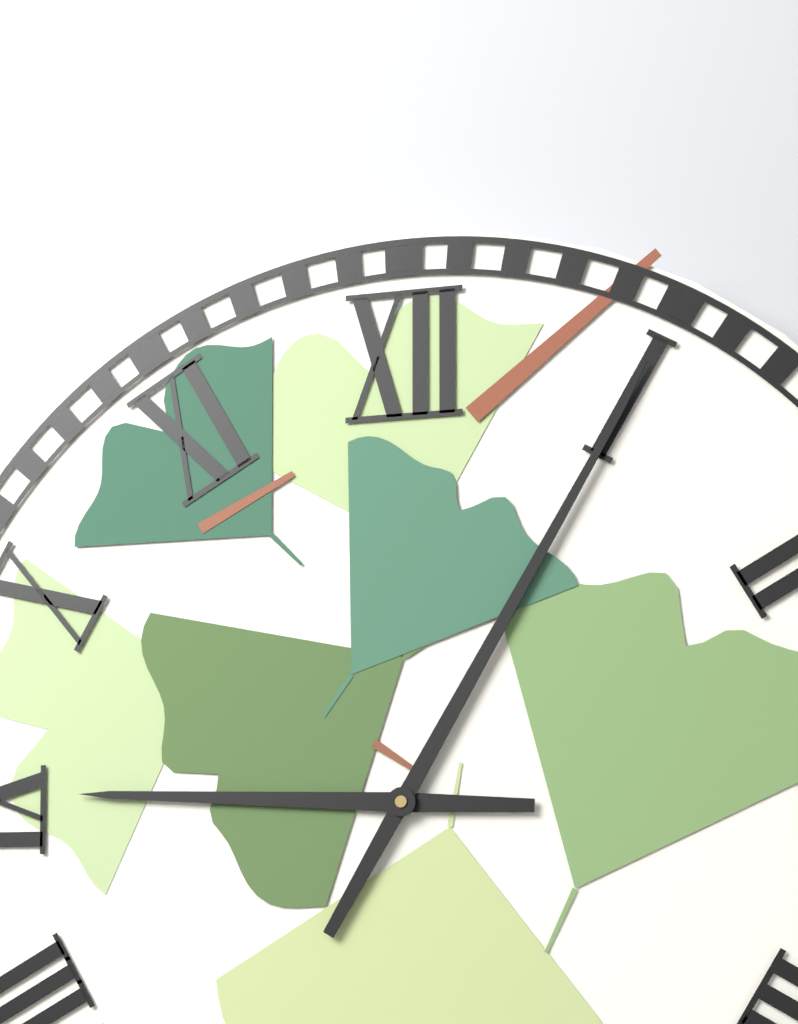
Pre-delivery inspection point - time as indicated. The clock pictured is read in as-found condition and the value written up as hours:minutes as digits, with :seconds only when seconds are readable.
9:05
